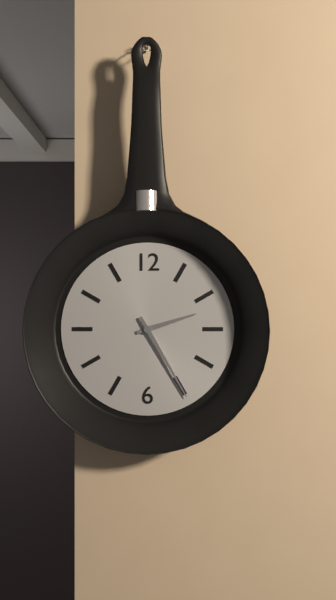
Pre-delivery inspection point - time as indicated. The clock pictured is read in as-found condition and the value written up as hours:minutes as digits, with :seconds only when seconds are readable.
2:25
